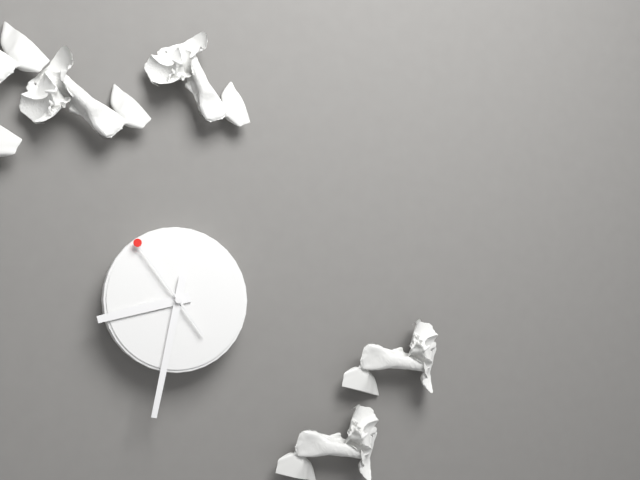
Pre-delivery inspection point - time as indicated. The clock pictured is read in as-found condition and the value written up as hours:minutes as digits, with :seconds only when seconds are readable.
8:32:54
